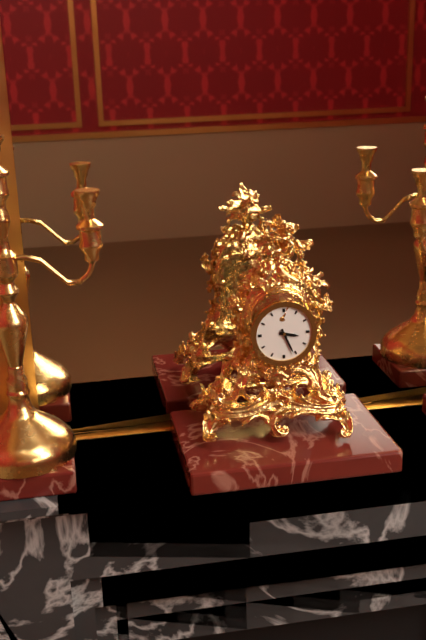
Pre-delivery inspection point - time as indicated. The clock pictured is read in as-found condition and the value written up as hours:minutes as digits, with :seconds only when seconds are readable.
3:26
